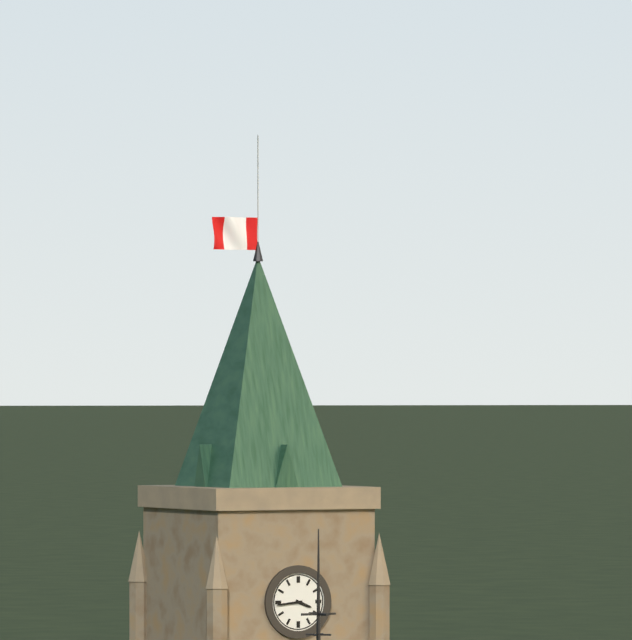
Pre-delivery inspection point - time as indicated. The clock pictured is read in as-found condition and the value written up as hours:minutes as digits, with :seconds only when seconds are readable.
3:44
